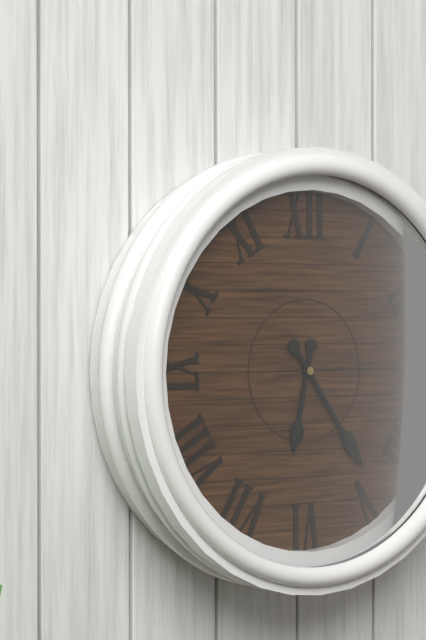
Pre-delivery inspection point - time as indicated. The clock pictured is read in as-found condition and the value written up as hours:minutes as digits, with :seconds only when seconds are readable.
6:24:15
